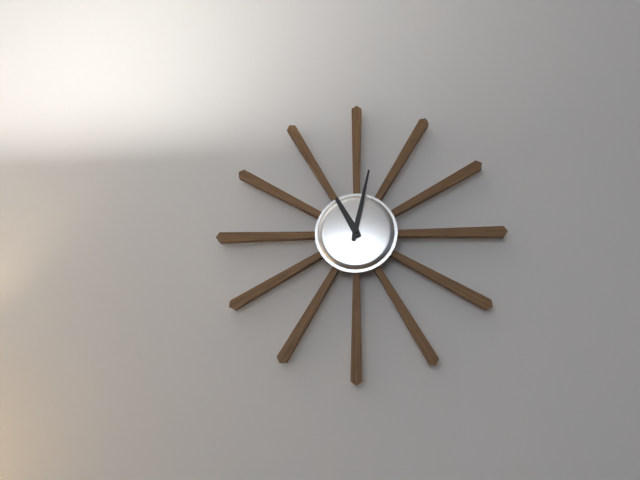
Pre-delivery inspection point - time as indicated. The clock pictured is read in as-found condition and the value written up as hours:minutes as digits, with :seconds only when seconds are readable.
11:02
